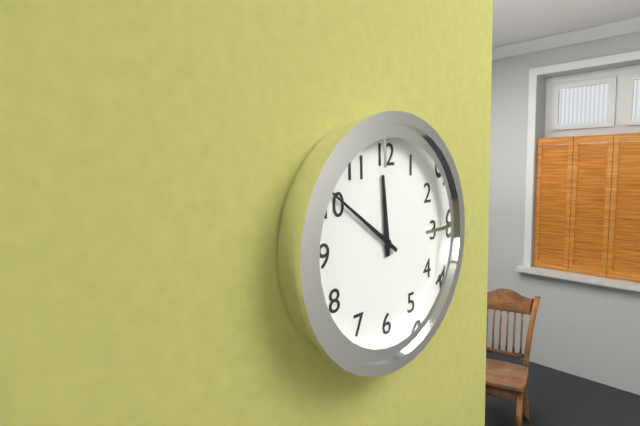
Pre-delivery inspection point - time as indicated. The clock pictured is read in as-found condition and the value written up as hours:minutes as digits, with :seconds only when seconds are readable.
11:51
